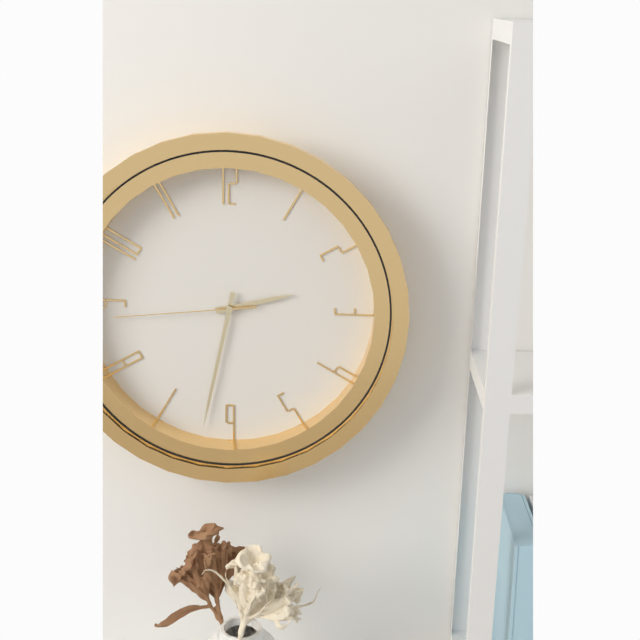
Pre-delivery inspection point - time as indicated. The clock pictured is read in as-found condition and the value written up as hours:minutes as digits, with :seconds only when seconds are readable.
2:32:44
